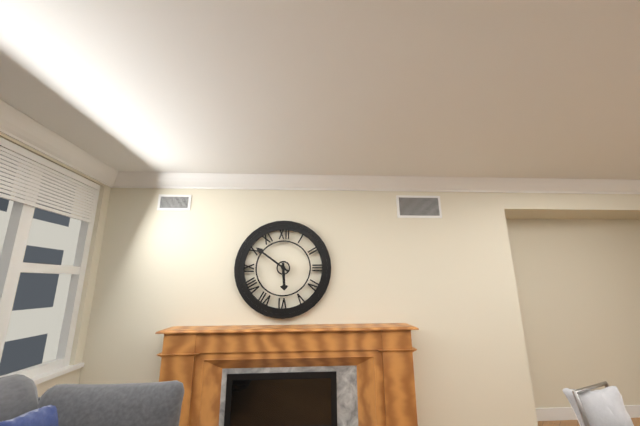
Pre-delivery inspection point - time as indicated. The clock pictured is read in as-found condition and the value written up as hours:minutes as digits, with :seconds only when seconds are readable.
5:51
